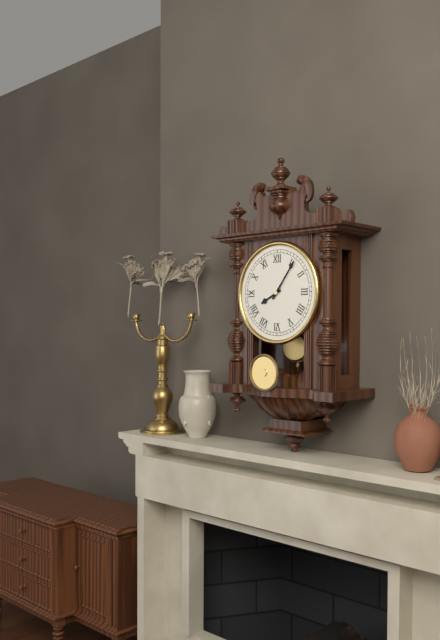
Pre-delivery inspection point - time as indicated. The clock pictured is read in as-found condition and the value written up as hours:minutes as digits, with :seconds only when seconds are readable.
8:06
